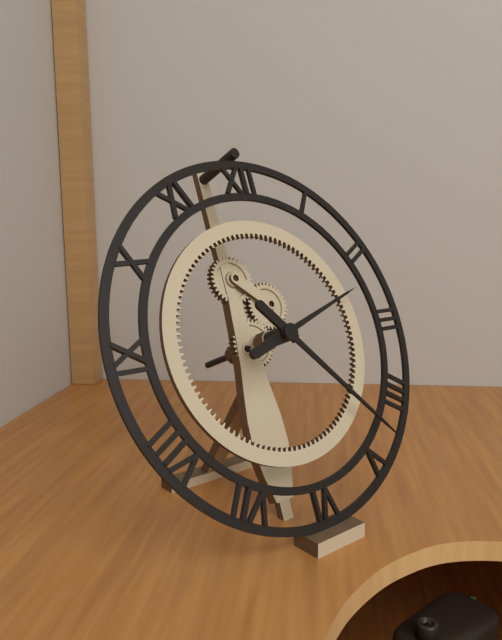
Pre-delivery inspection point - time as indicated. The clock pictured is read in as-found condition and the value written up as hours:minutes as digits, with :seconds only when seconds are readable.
2:23
